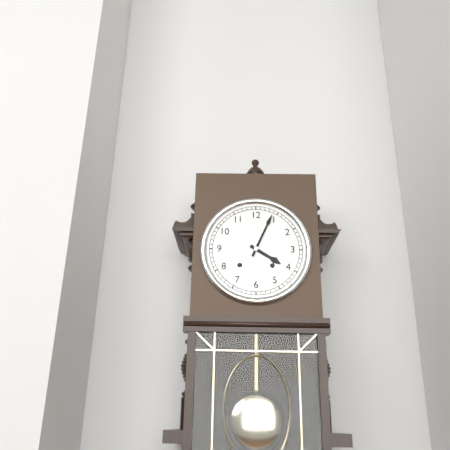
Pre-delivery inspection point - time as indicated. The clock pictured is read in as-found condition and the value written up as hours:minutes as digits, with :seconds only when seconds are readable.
4:04
